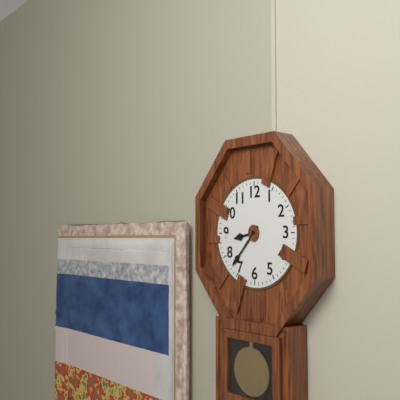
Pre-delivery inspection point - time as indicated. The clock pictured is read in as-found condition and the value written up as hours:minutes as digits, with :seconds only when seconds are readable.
8:37
